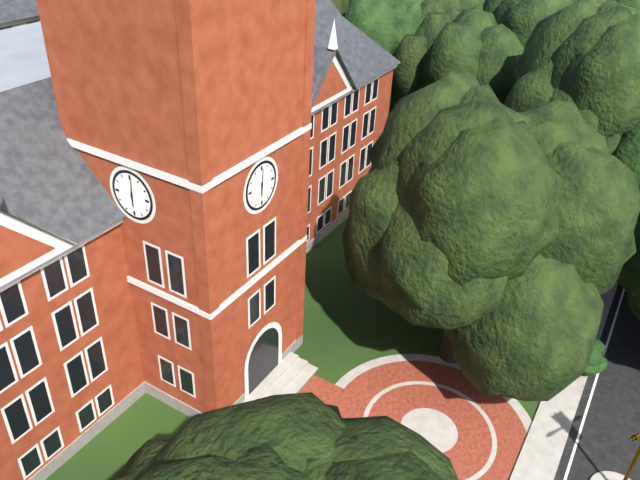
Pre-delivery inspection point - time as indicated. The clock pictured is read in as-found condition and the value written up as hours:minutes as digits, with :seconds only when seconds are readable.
6:01
